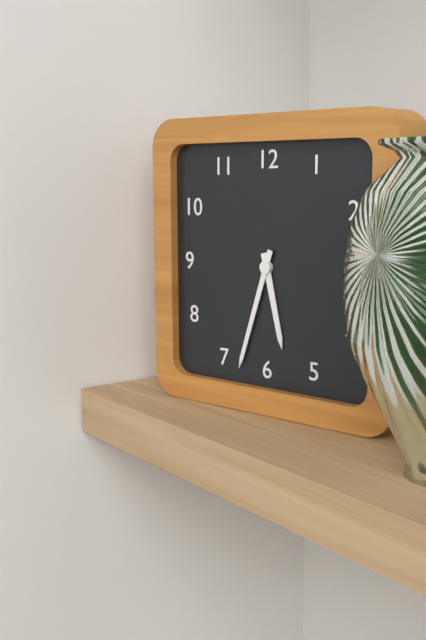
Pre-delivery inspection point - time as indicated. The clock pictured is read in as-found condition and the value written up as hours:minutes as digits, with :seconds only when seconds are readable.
5:33
